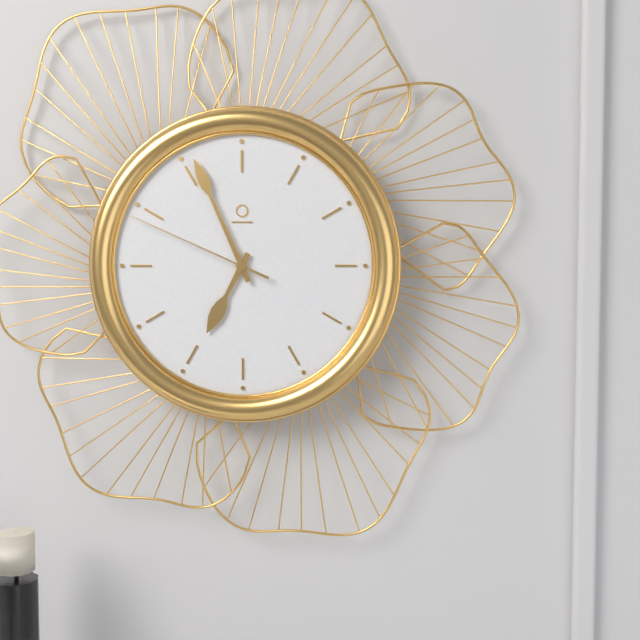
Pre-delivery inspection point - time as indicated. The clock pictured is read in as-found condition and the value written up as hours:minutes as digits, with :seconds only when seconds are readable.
6:56:49
